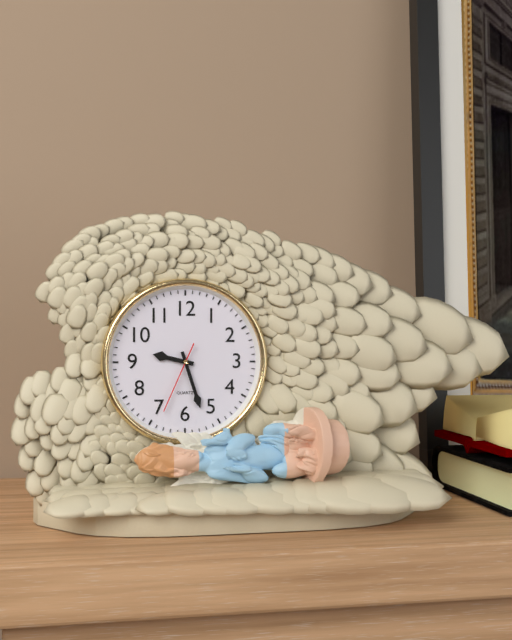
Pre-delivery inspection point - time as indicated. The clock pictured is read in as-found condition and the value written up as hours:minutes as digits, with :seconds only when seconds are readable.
9:27:34
